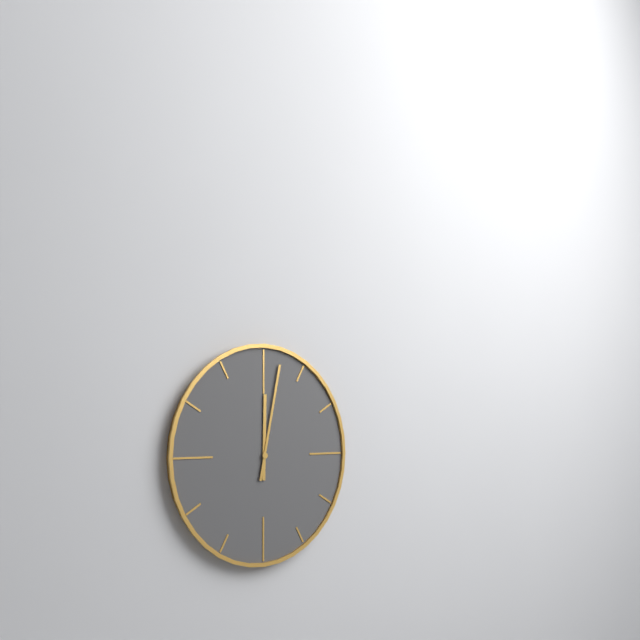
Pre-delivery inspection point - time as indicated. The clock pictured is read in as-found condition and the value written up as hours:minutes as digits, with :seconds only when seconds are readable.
12:02
